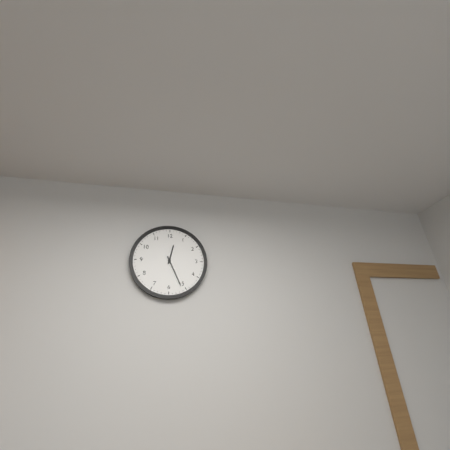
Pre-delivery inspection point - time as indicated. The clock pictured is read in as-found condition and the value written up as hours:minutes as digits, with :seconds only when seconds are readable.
12:26
